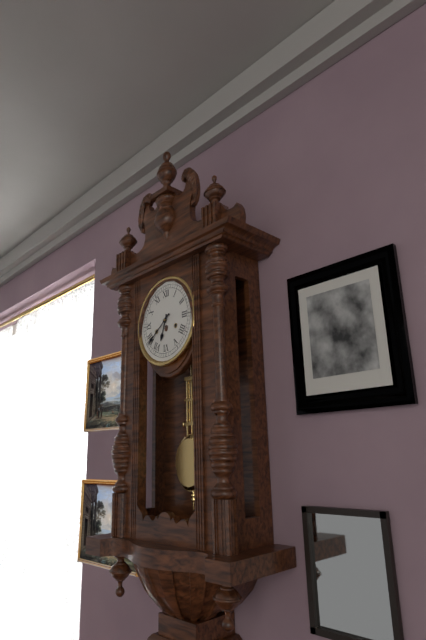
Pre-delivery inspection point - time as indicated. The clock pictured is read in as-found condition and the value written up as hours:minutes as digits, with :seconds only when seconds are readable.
6:39
